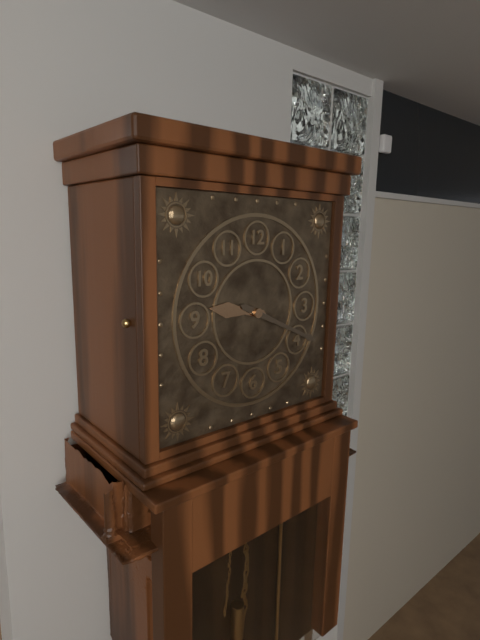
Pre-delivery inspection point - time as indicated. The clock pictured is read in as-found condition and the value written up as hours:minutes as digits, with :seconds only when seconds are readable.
9:19
